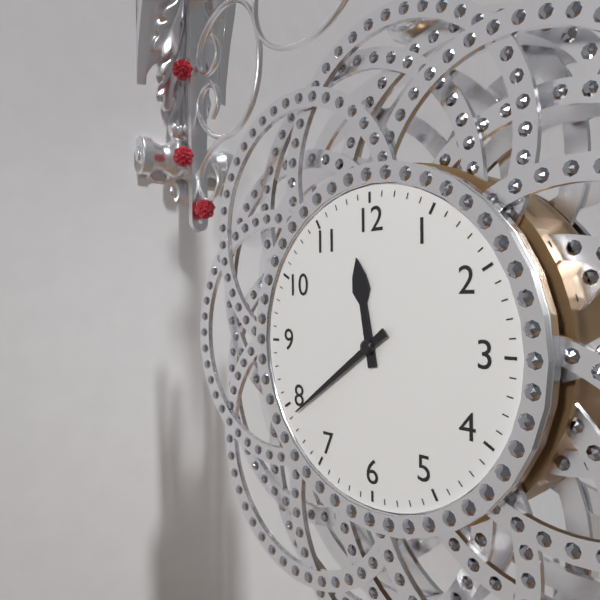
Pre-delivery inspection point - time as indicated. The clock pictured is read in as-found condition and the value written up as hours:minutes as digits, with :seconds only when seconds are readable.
11:39
